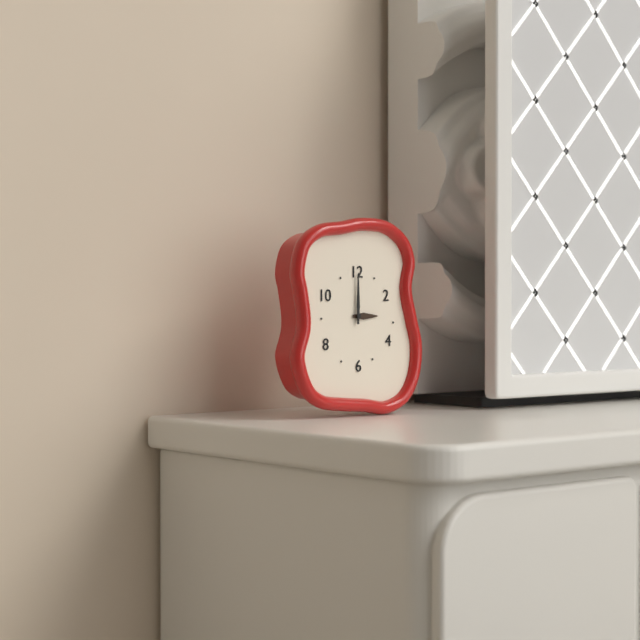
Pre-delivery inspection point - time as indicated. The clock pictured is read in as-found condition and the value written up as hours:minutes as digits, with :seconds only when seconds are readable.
3:00
